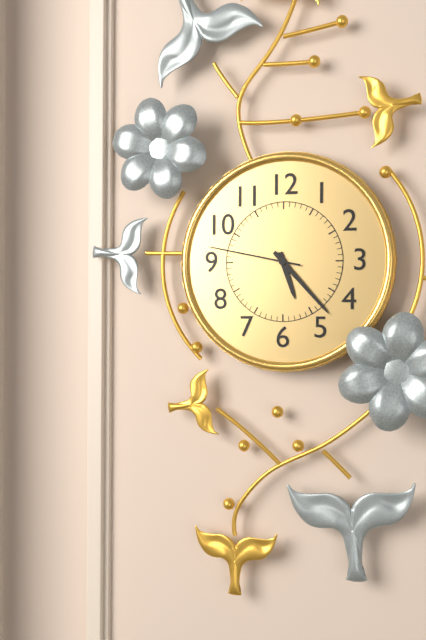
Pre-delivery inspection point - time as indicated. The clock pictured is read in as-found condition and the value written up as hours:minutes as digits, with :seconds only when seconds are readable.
5:23:47
